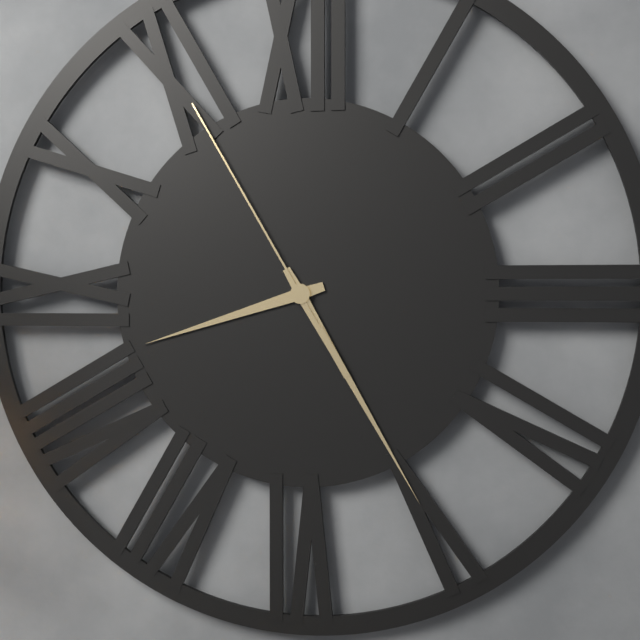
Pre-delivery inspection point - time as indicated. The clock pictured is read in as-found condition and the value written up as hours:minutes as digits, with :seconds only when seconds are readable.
8:25:55
